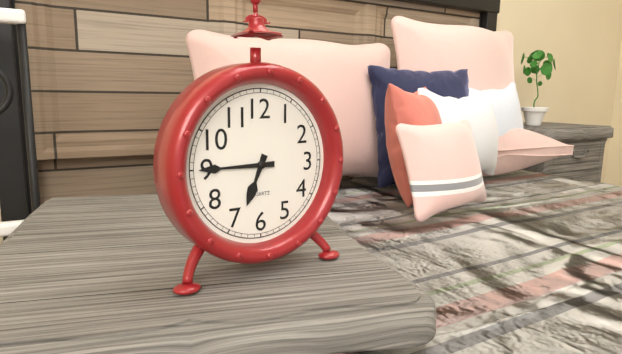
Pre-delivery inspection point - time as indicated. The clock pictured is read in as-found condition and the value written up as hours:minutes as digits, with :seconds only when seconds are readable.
6:45
